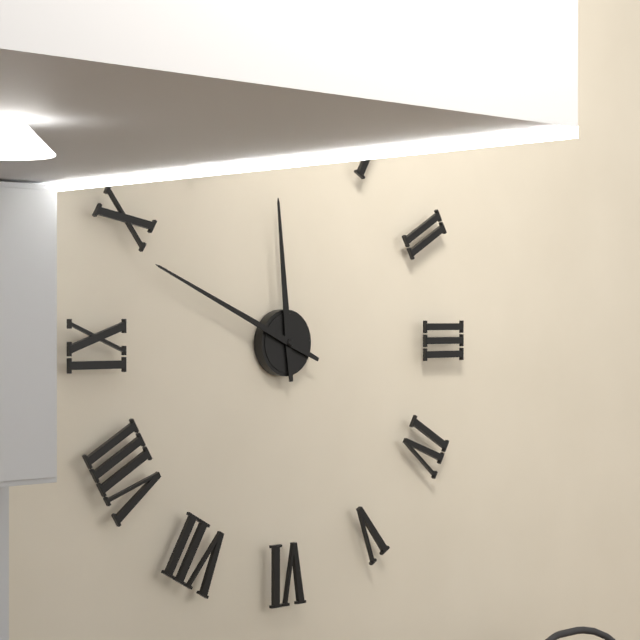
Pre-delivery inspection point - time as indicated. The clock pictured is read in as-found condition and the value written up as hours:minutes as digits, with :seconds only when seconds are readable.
11:49
